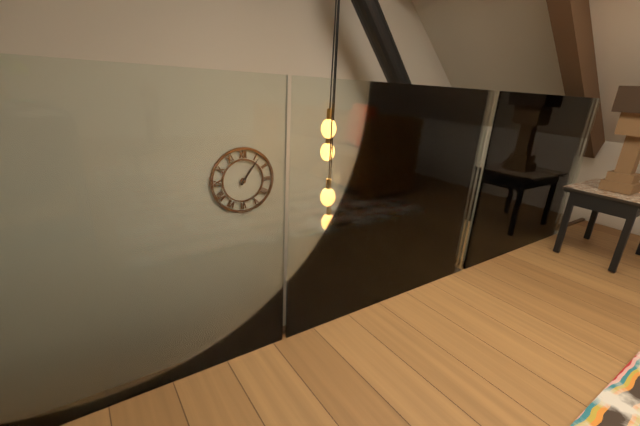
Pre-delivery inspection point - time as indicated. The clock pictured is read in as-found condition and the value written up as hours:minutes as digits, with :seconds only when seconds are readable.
1:06
